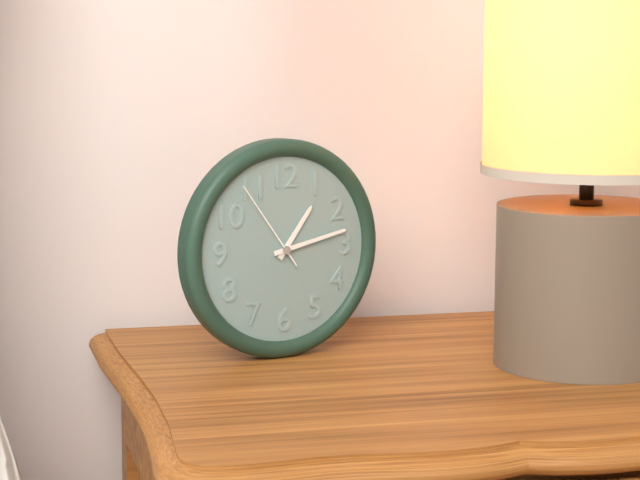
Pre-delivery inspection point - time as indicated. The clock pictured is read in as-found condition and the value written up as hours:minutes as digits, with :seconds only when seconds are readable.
1:13:54
